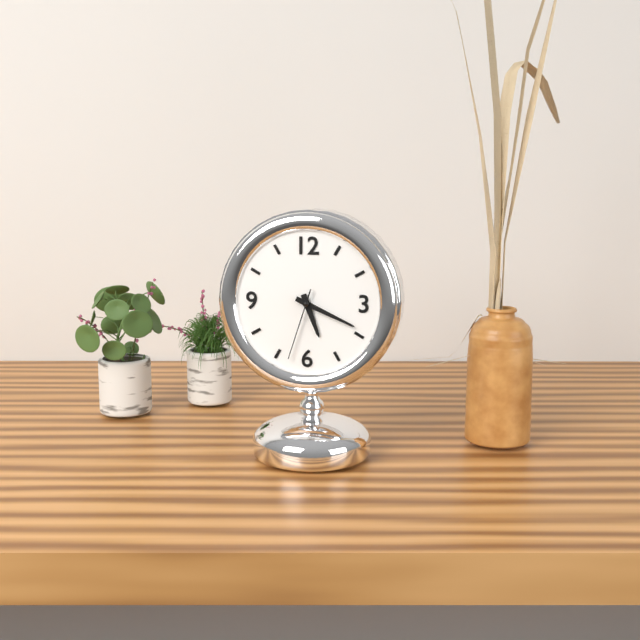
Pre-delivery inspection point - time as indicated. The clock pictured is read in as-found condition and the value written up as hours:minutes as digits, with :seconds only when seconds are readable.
5:19:33
